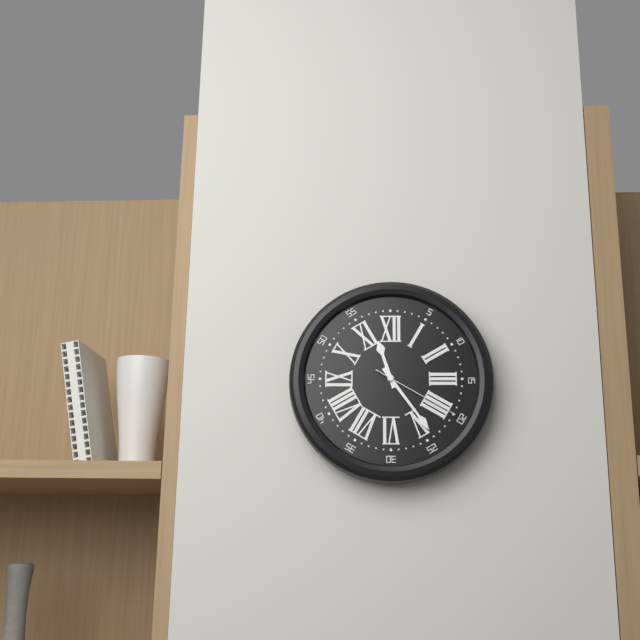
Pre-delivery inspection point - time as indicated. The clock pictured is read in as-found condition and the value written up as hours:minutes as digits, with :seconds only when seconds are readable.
11:24:20
